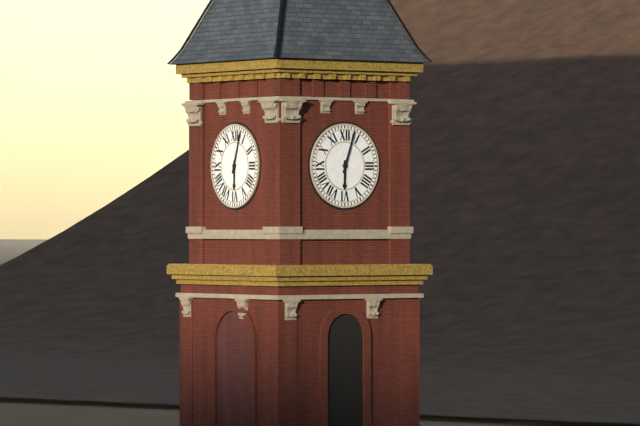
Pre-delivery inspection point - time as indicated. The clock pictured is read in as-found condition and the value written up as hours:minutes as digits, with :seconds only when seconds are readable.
6:03
